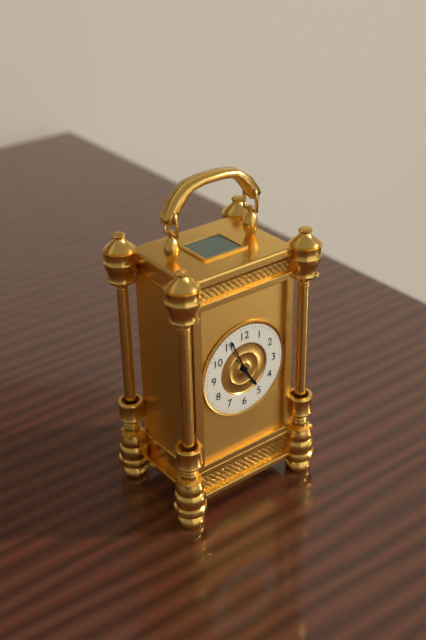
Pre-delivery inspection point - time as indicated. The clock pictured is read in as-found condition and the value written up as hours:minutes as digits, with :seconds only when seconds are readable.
4:56
